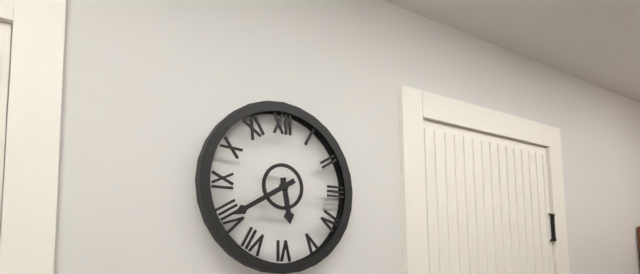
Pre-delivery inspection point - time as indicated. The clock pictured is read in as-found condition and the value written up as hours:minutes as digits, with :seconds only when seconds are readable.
5:40
